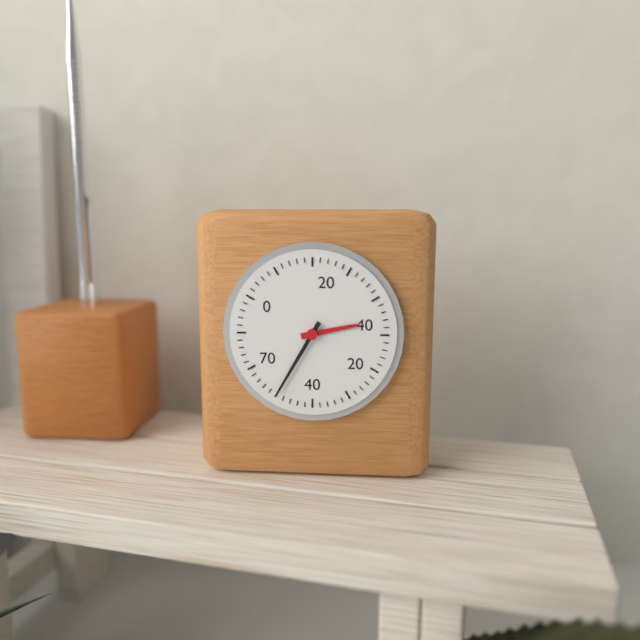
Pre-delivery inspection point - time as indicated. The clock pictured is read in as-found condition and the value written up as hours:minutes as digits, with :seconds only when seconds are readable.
2:35
